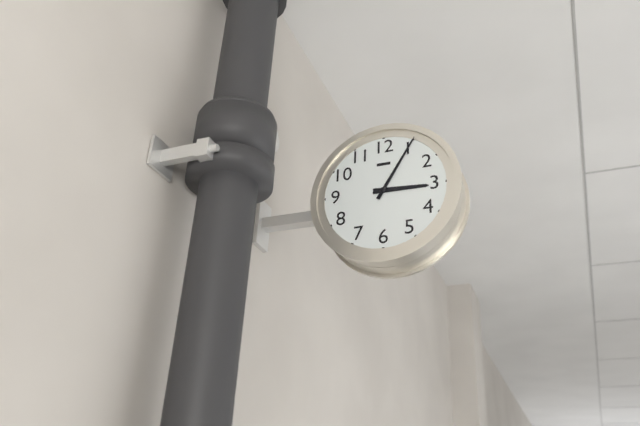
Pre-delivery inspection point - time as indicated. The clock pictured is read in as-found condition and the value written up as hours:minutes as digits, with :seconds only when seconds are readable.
3:05
